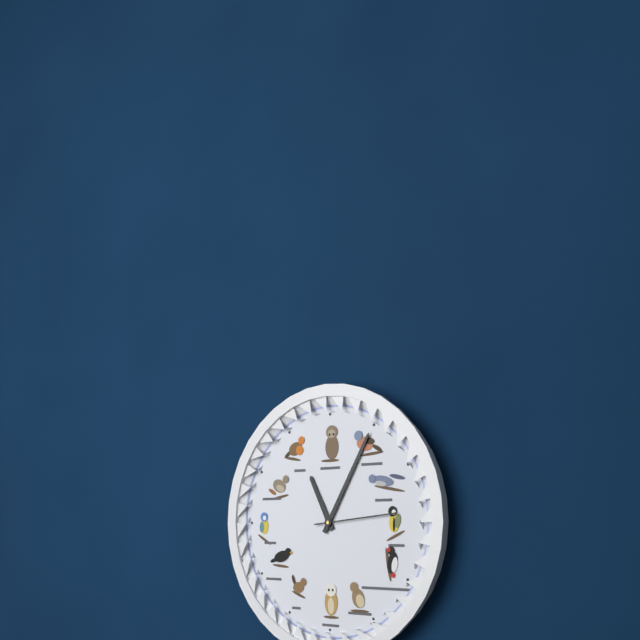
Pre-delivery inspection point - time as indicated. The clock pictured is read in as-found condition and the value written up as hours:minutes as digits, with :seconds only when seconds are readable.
11:05:14
